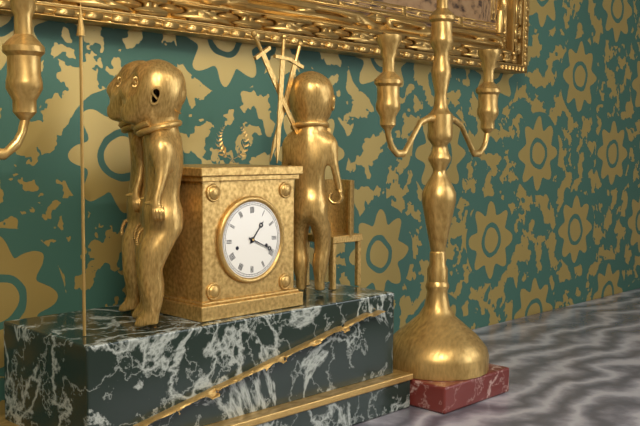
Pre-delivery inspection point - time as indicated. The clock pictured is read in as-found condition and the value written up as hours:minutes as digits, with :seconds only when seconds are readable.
1:19
